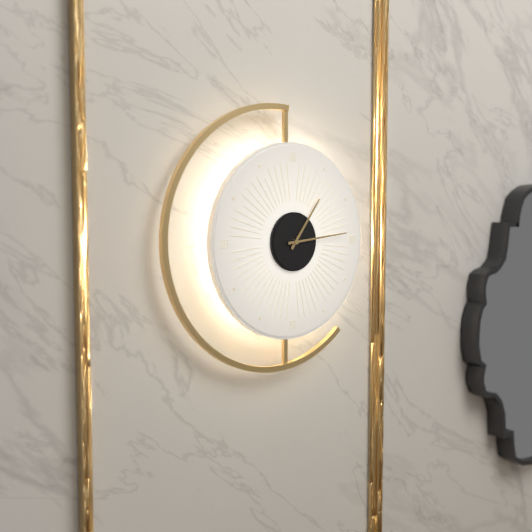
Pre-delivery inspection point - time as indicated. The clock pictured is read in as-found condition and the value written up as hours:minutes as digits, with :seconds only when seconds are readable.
1:14
